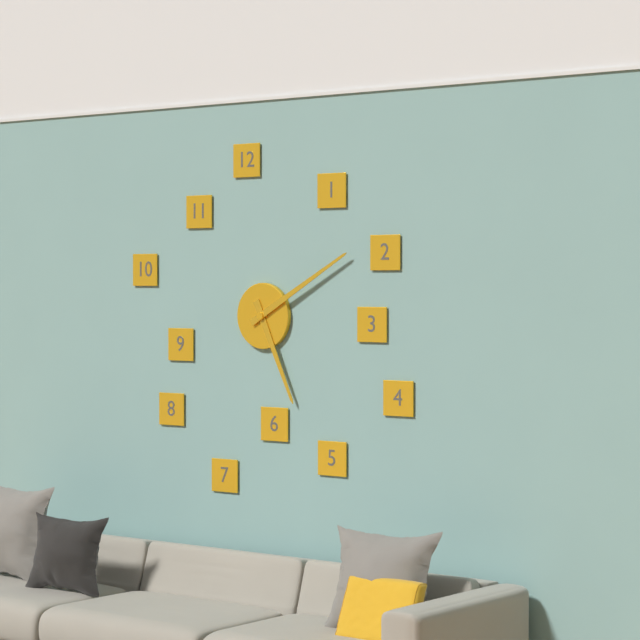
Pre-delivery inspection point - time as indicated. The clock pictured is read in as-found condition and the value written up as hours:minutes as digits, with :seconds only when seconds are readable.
5:10
